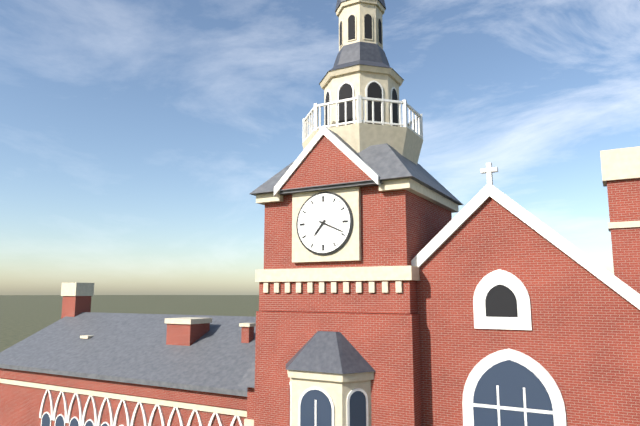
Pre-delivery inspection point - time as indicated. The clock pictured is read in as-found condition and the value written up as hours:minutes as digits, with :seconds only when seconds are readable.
7:19
